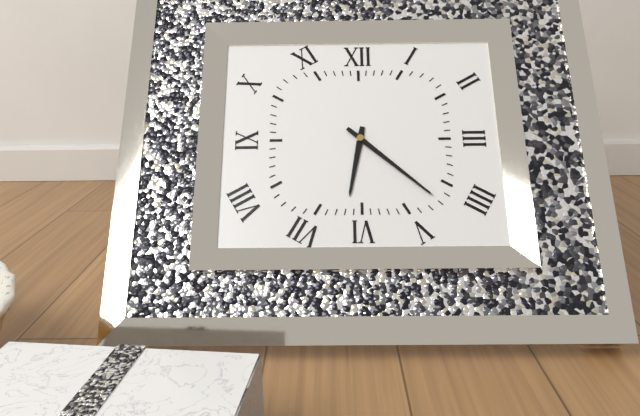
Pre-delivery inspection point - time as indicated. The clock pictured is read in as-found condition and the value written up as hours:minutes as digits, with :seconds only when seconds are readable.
6:22
